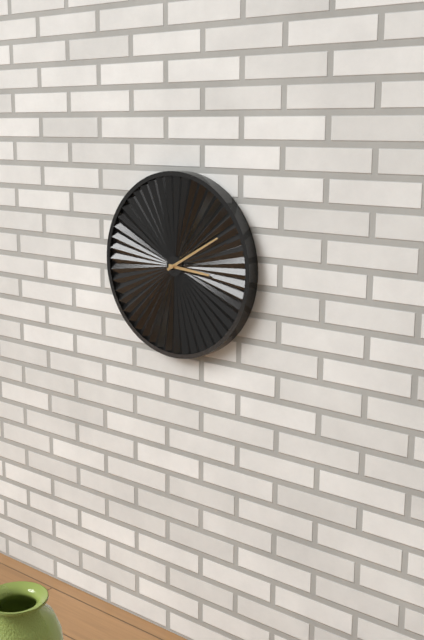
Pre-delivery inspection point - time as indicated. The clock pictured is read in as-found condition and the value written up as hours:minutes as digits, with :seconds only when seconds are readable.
3:10
